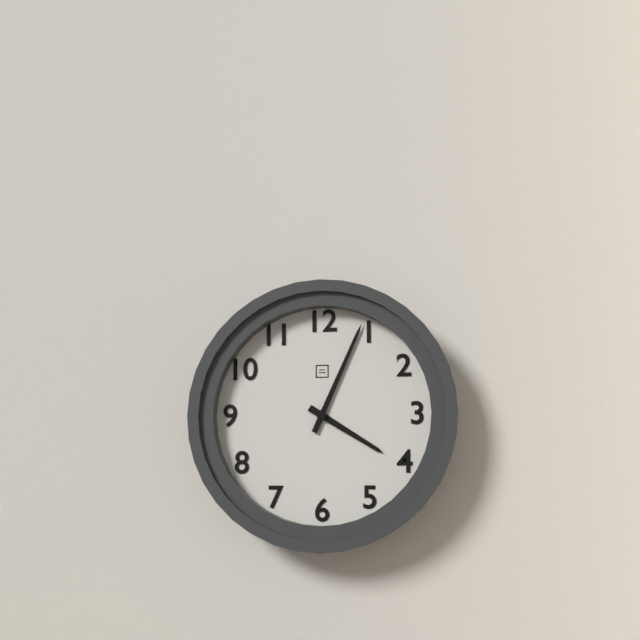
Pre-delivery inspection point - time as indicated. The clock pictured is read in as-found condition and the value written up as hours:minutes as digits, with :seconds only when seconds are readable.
4:04
